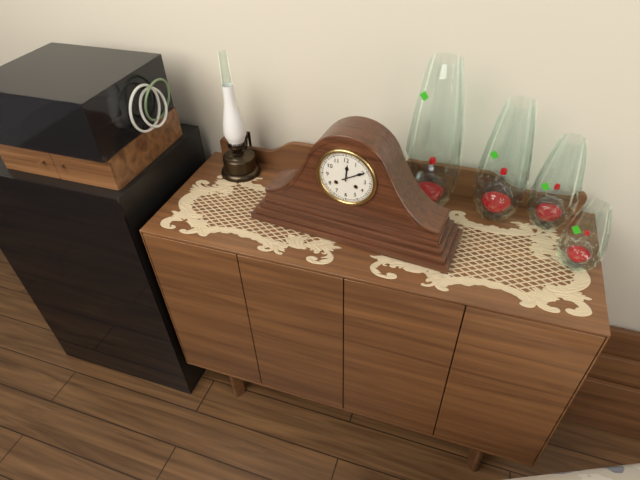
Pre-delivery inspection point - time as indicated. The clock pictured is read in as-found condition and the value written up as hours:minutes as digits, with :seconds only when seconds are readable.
12:10
